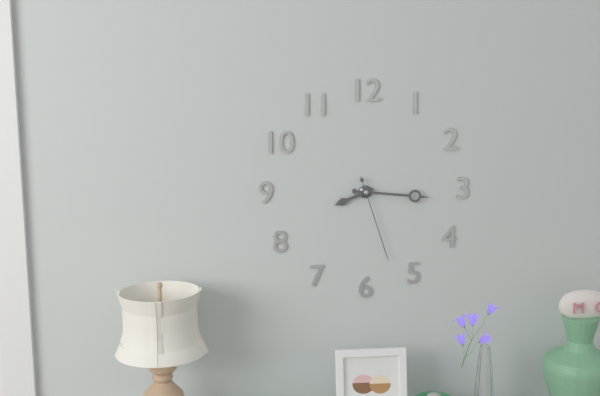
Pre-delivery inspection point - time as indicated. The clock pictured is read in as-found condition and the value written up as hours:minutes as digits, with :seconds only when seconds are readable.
8:16:27
